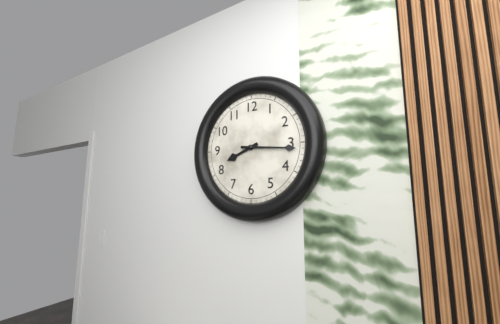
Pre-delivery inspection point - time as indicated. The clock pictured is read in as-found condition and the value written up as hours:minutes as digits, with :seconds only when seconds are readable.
8:16
